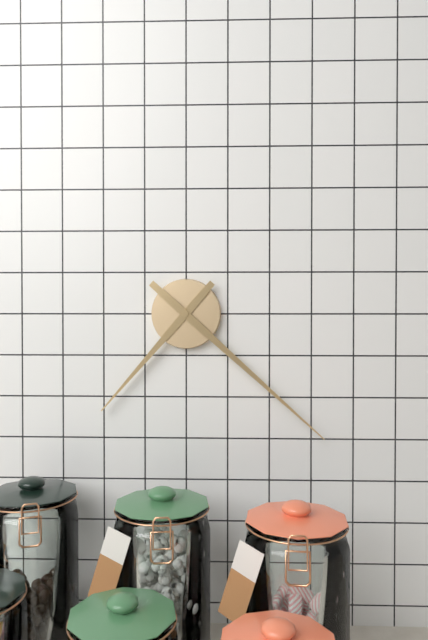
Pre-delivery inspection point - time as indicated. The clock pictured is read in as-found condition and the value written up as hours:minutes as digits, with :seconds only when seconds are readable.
7:22
